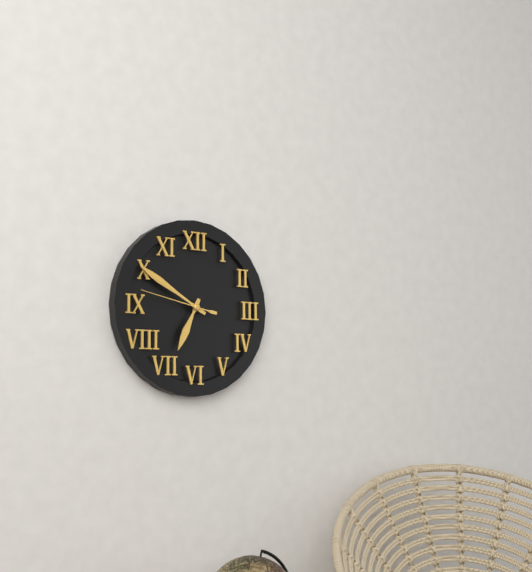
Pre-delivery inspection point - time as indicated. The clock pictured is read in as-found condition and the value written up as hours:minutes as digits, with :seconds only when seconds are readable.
6:50:47
